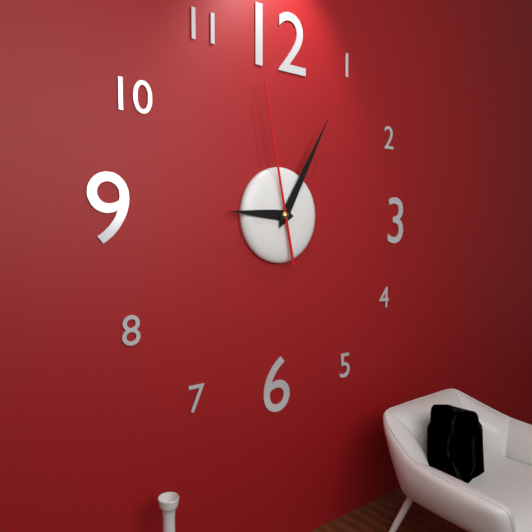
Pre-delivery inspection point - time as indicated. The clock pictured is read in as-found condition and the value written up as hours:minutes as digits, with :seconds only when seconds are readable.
9:05:58
